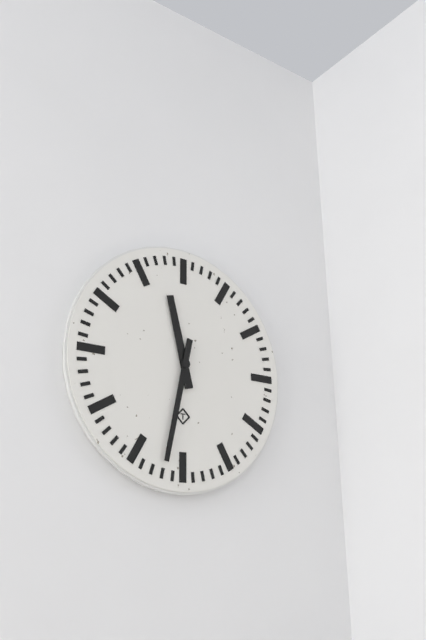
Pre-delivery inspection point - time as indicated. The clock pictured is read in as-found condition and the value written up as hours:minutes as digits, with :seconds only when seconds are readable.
11:32
